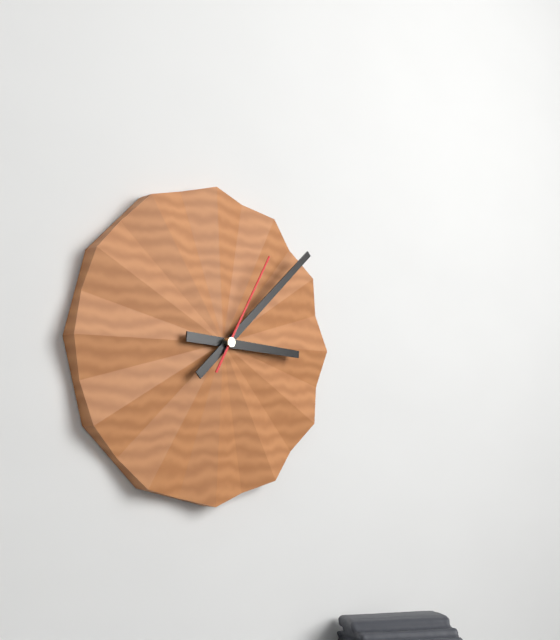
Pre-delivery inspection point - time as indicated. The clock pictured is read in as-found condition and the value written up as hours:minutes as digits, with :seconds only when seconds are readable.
3:08:05
